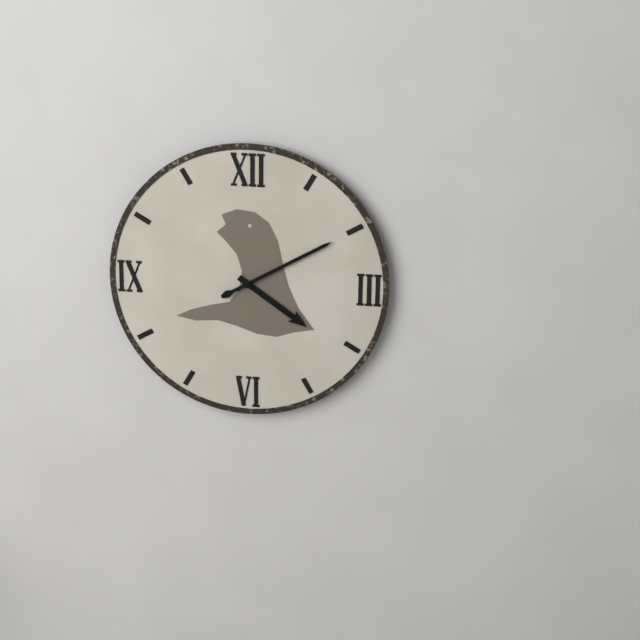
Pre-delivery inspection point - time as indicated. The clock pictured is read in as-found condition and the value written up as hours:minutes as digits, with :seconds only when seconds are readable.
4:10
